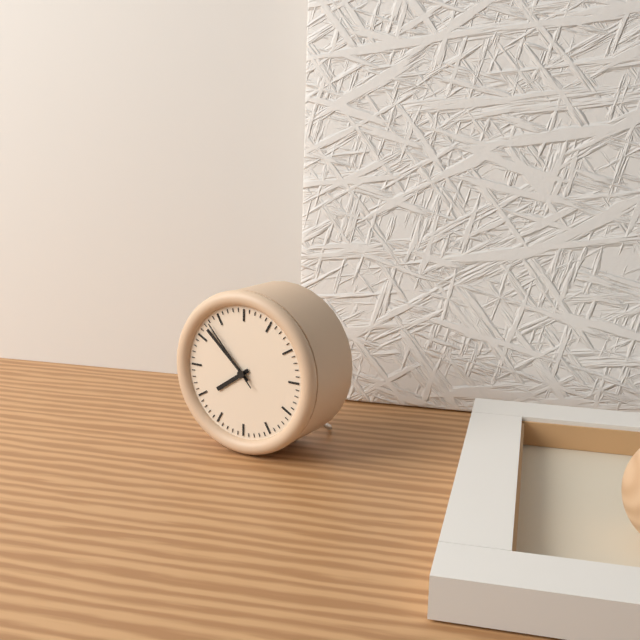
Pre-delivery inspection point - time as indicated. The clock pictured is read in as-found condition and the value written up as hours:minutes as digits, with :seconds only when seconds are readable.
7:52:53
